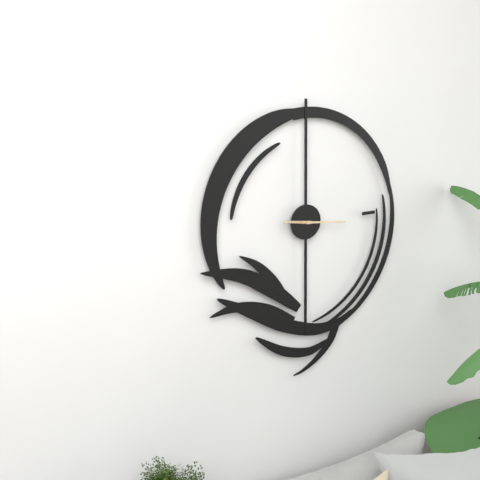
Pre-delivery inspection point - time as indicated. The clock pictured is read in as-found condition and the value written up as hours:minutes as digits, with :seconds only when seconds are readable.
9:16
